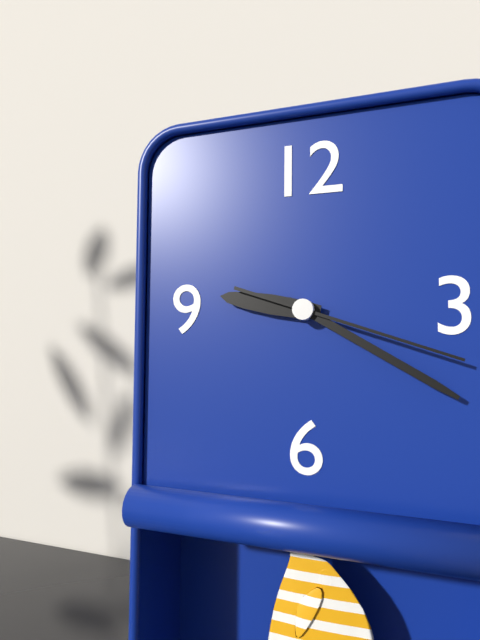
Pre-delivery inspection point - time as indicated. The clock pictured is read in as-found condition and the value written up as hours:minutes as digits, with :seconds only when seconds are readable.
9:20:18
